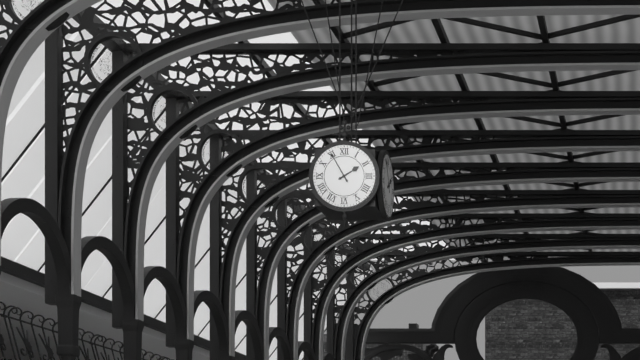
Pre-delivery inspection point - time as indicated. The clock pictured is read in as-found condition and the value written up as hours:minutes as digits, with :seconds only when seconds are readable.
1:55
